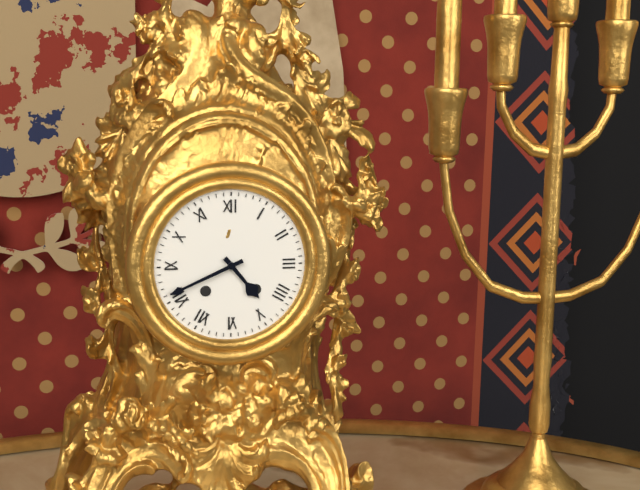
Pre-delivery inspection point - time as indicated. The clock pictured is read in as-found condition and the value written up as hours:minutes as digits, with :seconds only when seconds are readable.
4:41
